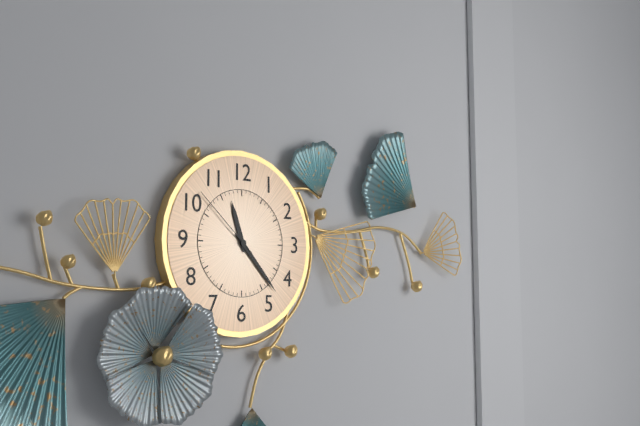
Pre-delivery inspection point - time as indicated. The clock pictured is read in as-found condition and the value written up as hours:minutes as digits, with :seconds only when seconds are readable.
11:23:52
